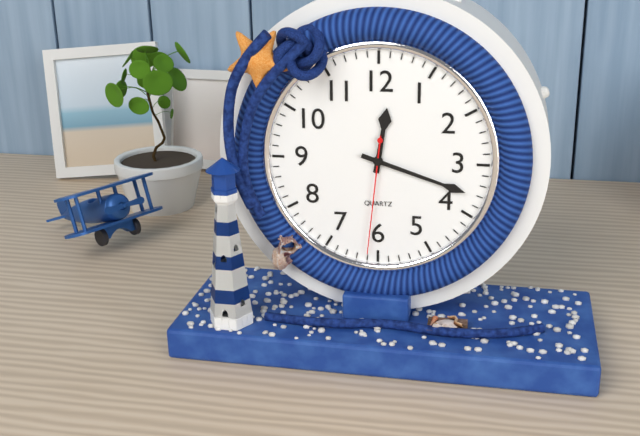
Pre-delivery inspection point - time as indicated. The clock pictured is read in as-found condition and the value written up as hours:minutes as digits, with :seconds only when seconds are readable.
12:18:31
